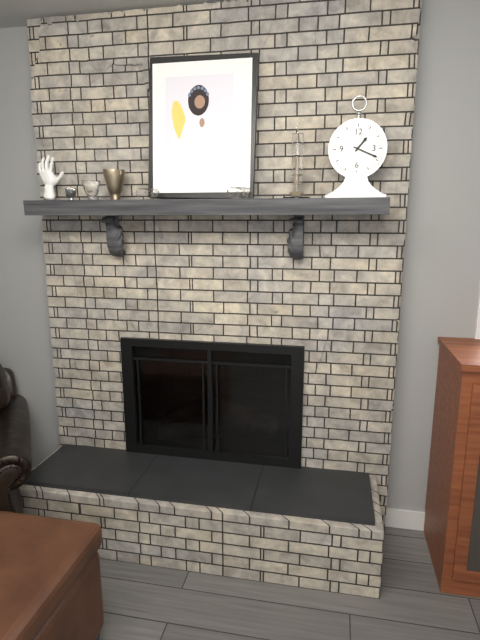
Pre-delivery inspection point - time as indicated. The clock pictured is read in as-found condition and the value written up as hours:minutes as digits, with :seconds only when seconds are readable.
1:19
